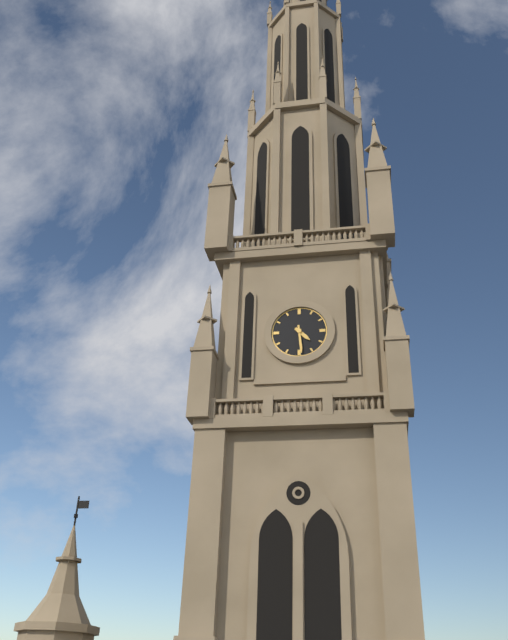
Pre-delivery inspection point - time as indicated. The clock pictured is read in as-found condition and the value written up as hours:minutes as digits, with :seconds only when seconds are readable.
4:29
